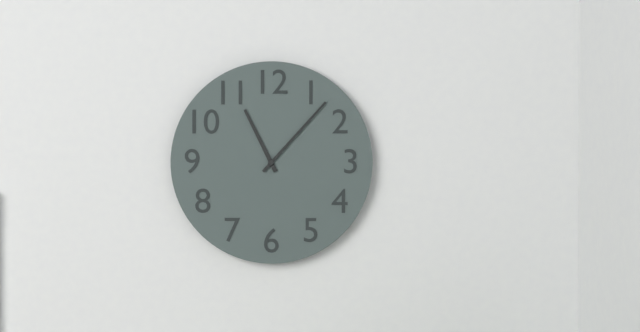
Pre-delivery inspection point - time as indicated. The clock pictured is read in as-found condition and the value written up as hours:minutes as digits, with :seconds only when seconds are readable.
11:07
